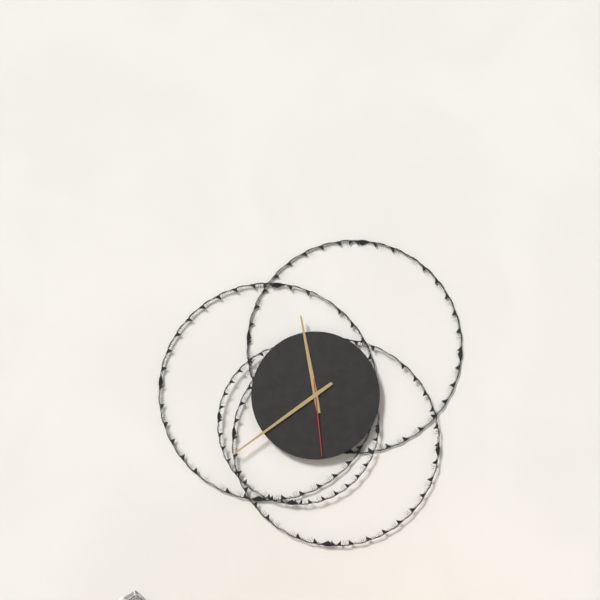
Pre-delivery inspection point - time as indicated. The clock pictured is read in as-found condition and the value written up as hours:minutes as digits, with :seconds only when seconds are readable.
11:39:29
